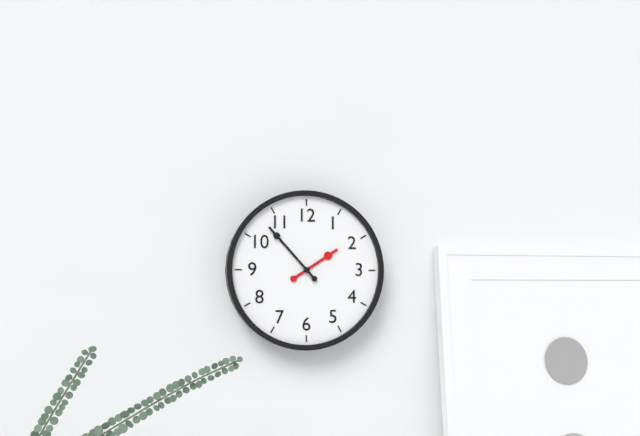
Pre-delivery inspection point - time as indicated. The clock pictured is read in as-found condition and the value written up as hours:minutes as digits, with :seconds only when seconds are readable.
1:53
